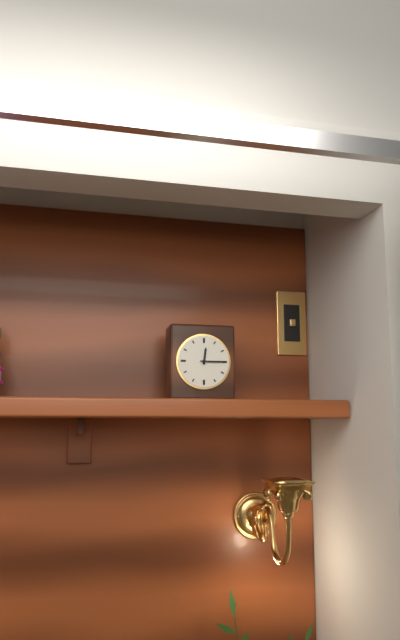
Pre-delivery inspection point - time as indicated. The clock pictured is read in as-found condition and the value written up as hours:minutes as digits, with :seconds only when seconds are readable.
12:15
